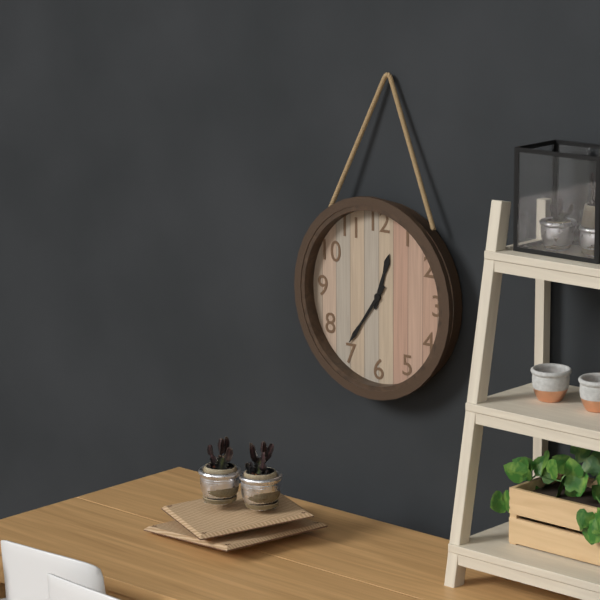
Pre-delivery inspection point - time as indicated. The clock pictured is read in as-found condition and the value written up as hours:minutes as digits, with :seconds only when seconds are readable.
12:36
